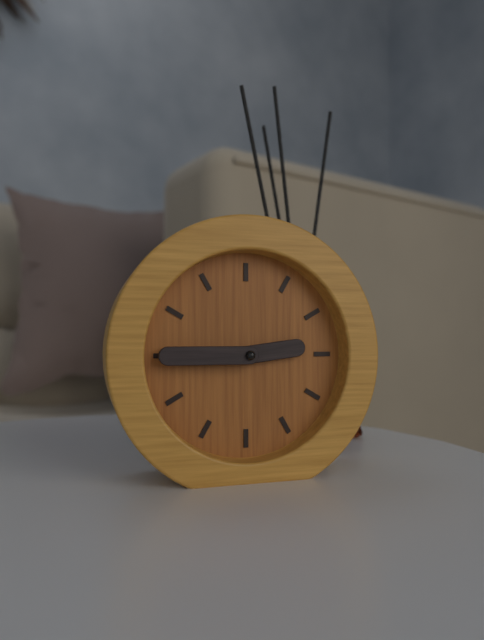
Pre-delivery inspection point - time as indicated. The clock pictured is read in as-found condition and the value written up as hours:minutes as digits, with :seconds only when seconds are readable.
2:45
